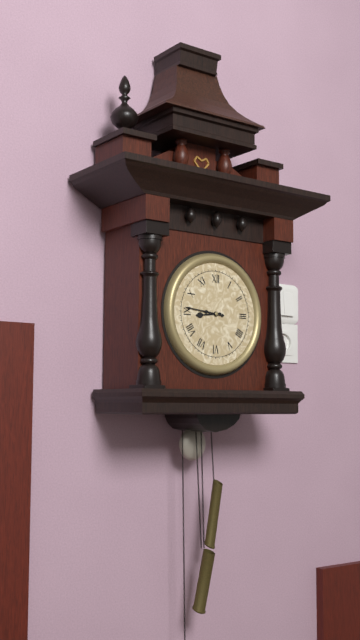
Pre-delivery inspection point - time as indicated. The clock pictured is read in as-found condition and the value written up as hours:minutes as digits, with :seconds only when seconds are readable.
8:46
